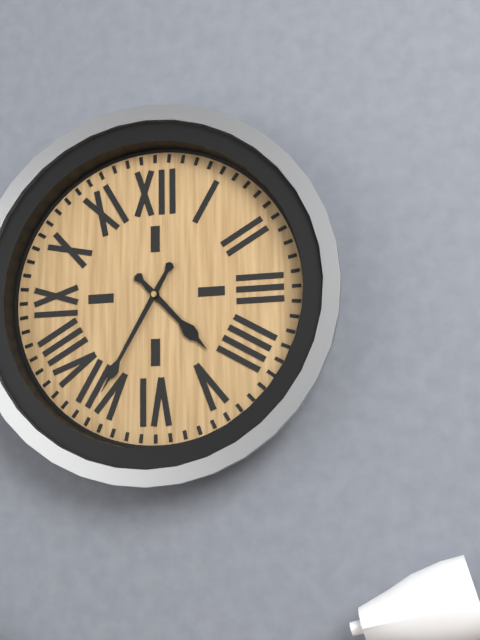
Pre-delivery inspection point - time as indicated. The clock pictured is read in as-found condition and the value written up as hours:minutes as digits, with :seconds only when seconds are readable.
4:35
